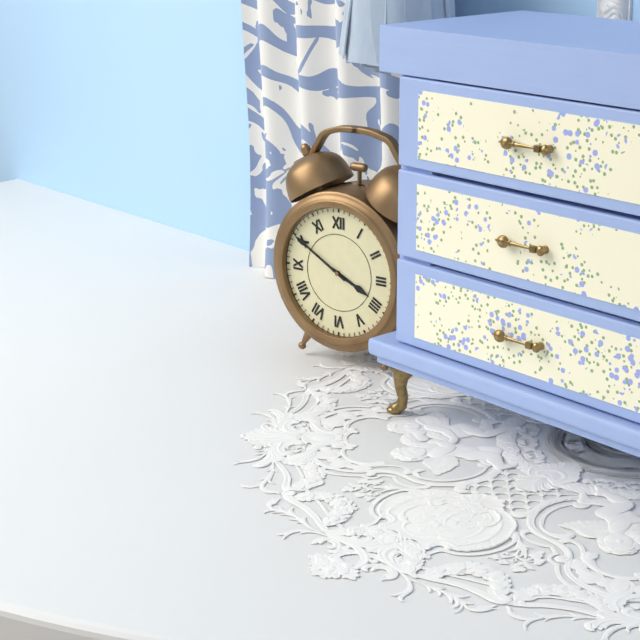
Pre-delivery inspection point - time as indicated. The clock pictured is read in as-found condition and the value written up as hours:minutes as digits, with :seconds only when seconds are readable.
3:50
